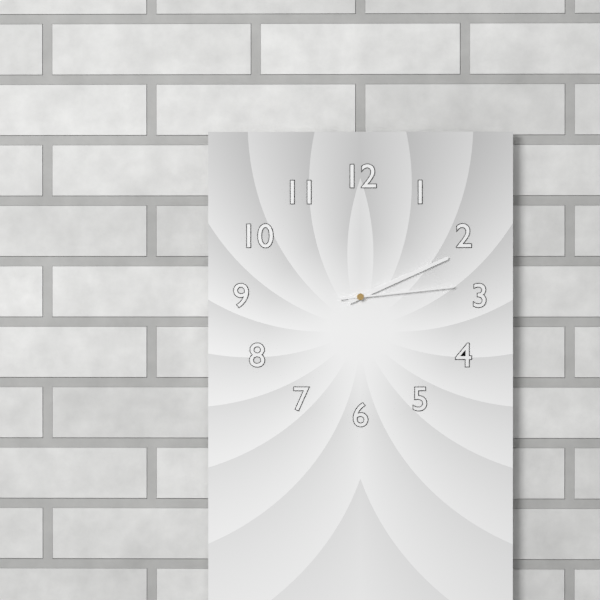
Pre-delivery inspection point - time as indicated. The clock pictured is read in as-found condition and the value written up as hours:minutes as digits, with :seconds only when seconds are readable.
2:11:14
